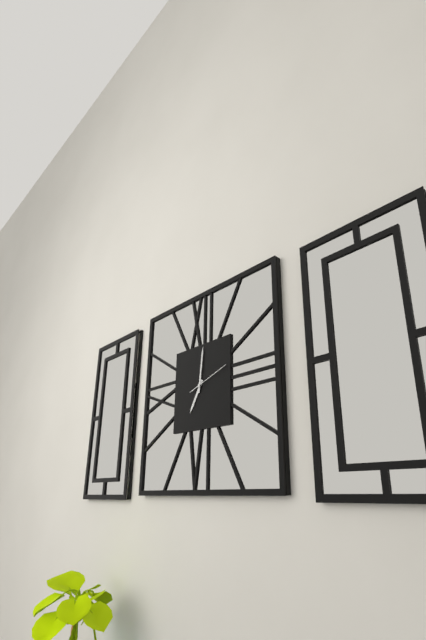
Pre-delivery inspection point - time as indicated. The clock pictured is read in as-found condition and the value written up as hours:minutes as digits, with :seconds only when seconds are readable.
7:01
